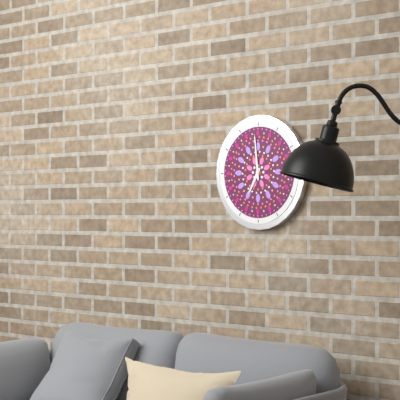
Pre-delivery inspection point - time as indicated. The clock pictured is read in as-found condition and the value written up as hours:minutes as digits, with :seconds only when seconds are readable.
6:59
